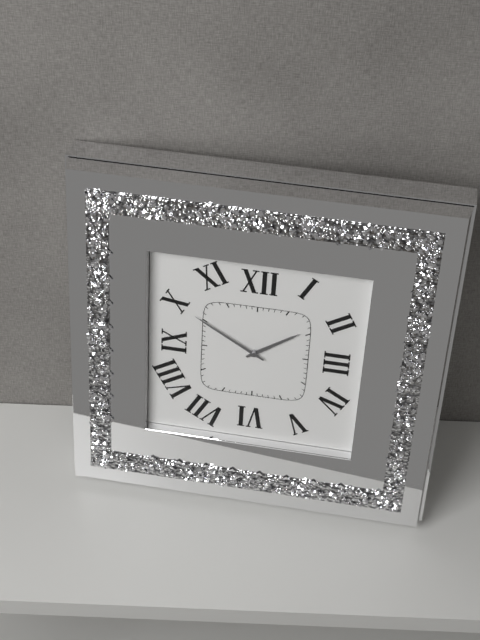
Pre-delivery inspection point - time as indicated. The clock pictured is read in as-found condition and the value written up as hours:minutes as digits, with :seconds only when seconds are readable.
1:50
